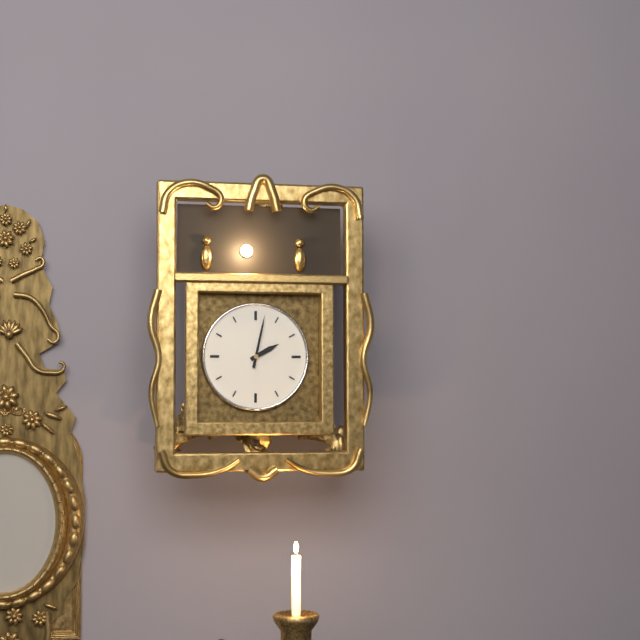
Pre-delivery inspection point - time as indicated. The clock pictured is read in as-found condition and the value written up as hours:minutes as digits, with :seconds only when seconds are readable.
2:02
